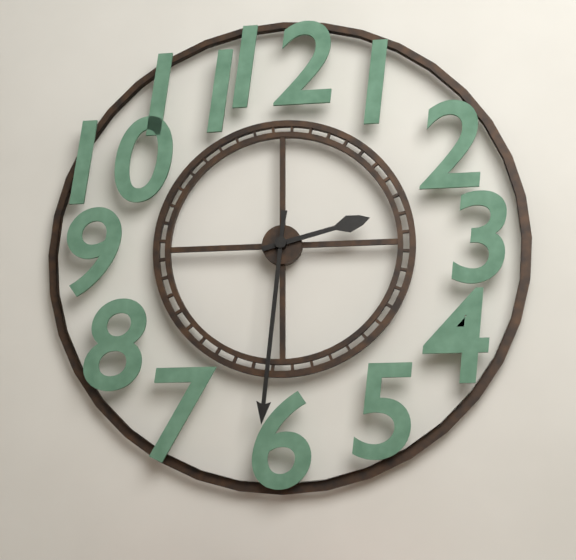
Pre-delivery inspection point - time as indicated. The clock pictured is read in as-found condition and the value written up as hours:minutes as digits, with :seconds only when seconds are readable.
2:31
